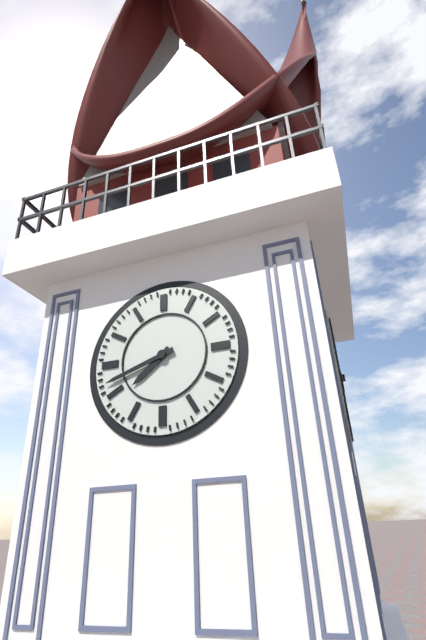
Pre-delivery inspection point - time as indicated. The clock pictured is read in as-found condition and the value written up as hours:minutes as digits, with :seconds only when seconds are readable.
7:42
